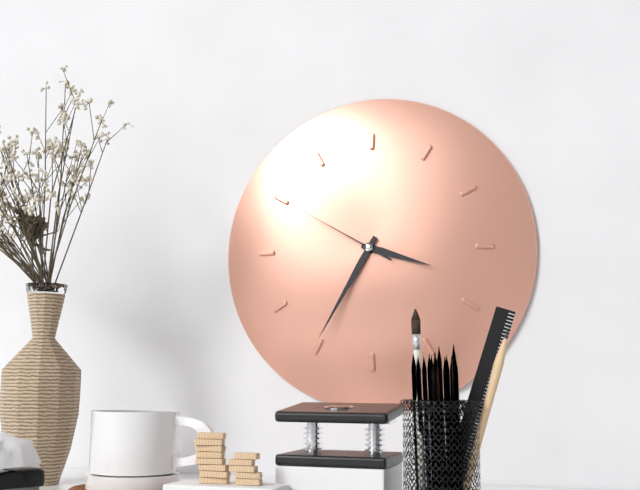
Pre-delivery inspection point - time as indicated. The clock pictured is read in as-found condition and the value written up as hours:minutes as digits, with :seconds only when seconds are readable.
3:35:50
